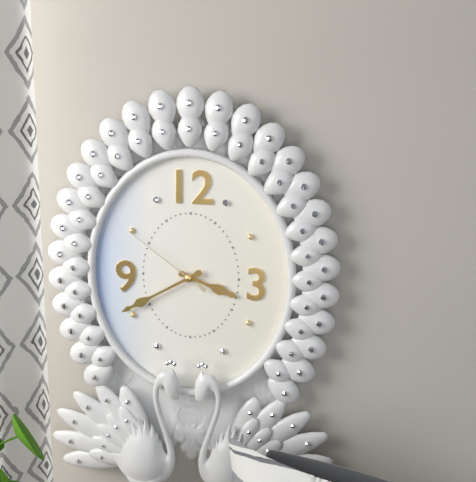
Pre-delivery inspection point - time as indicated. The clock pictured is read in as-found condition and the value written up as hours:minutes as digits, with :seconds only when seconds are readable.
3:40:51
